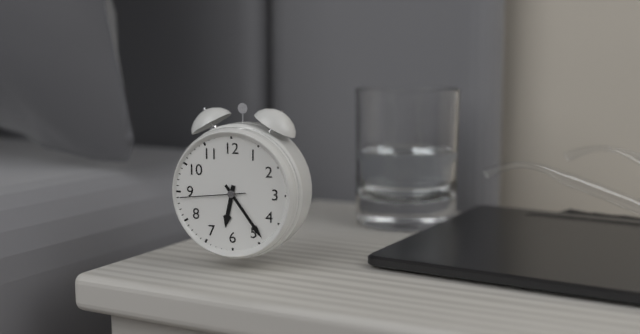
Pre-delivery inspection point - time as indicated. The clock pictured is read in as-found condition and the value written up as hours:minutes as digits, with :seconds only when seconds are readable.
6:24:44
